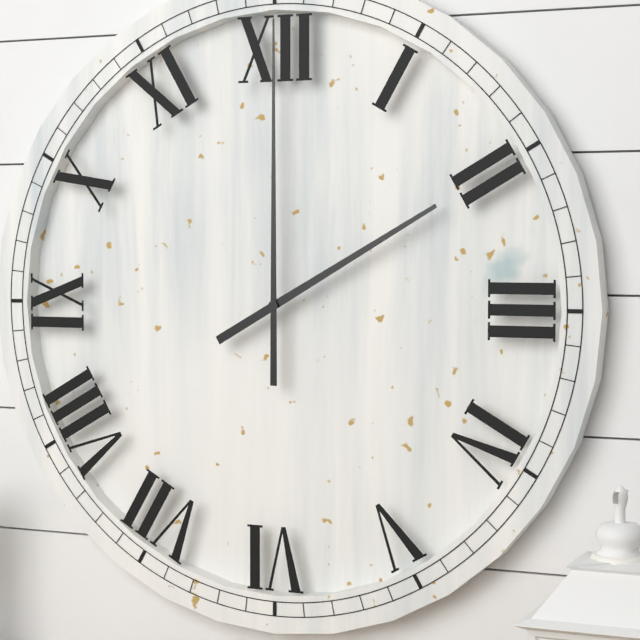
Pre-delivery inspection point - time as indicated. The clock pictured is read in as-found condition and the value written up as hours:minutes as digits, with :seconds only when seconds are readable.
2:00
